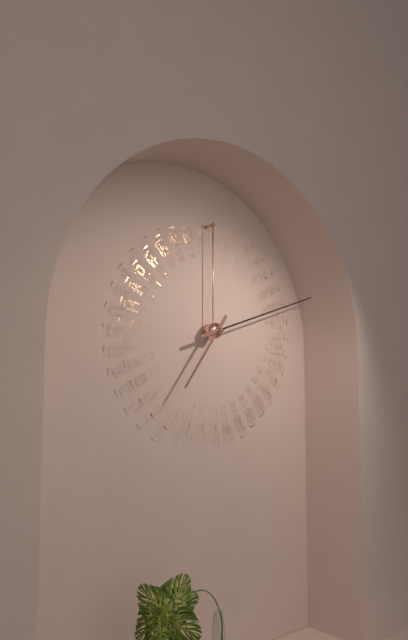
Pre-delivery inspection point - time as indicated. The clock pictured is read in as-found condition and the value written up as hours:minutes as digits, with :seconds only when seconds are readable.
7:12
